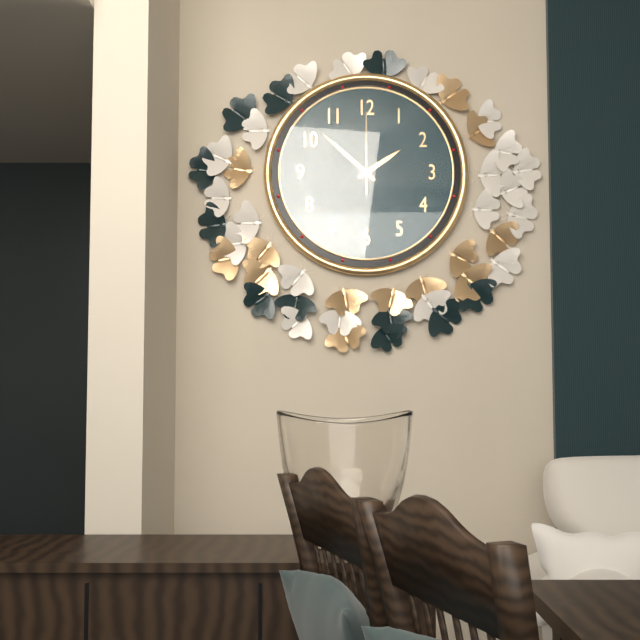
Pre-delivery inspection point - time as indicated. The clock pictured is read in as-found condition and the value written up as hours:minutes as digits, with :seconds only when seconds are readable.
1:52:00
